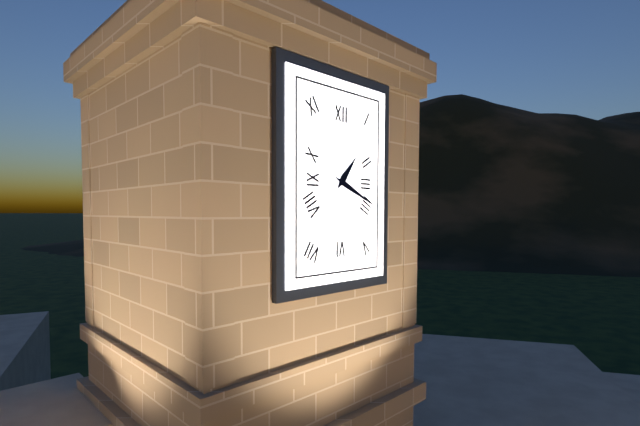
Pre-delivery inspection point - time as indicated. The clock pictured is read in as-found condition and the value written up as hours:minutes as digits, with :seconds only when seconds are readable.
1:19
